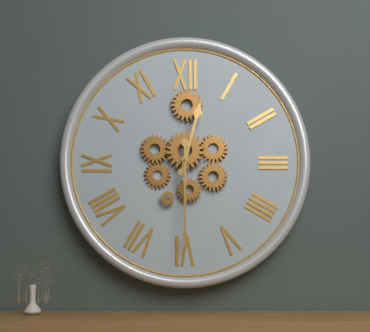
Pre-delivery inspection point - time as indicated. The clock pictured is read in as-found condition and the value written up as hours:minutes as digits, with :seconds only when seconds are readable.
12:30
